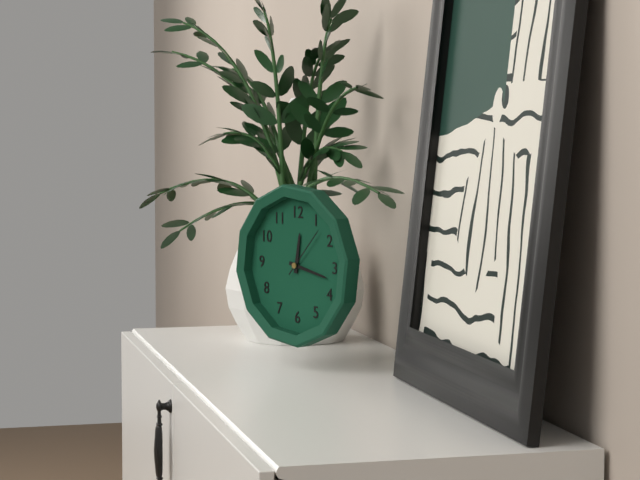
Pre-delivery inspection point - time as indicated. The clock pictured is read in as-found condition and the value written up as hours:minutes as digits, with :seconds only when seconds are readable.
12:17:07
